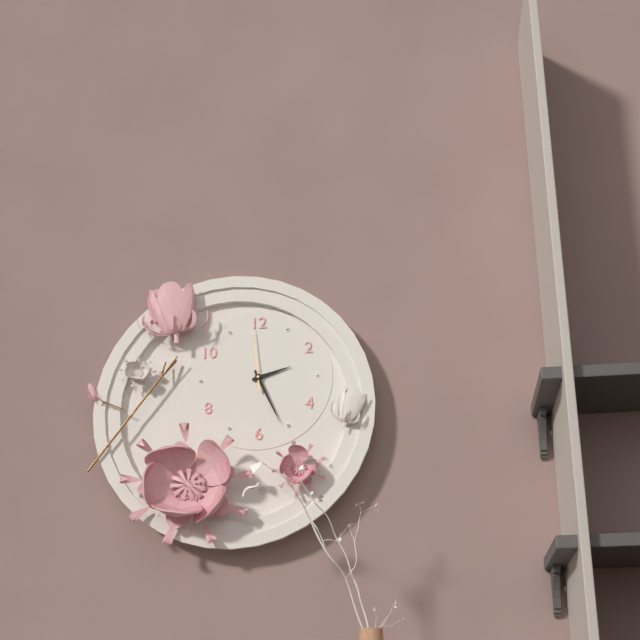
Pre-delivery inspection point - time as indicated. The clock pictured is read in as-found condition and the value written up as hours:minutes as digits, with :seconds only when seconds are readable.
2:26:59
